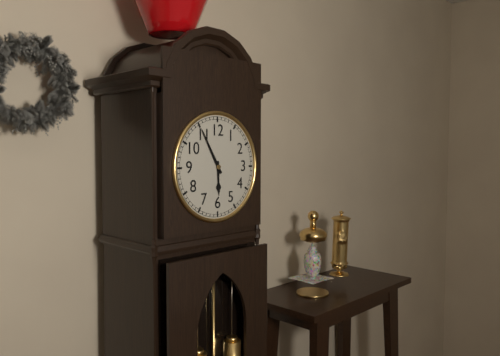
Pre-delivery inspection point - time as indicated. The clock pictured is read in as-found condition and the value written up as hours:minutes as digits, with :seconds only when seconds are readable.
5:55
